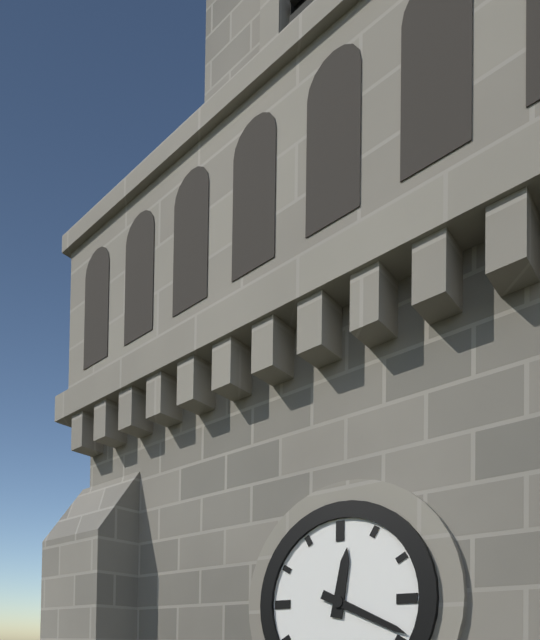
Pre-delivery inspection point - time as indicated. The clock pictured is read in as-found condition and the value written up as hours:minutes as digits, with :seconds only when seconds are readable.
12:19
